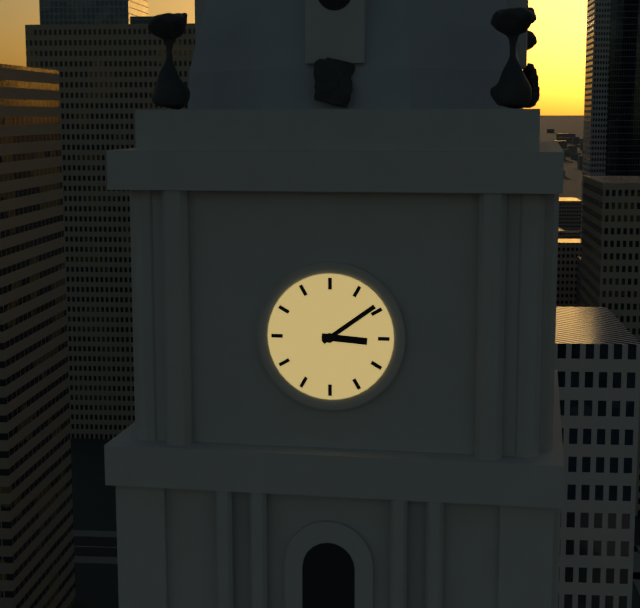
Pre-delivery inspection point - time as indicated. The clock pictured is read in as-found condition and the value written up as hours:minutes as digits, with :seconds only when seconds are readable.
3:09
